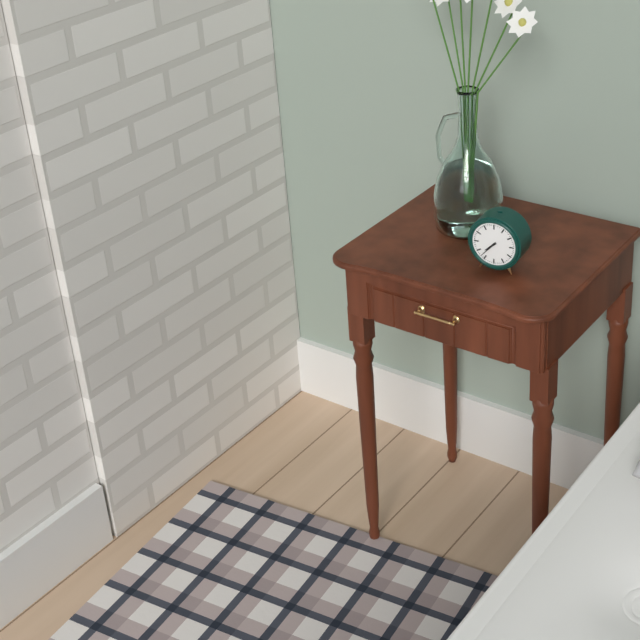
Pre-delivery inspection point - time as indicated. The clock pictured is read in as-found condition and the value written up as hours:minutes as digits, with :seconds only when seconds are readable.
7:37
